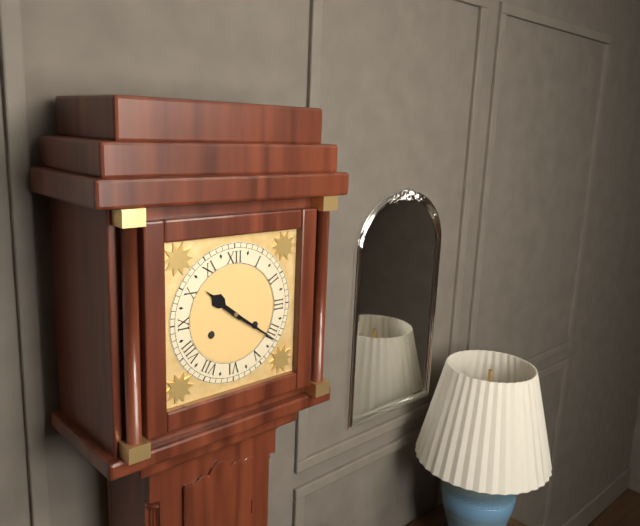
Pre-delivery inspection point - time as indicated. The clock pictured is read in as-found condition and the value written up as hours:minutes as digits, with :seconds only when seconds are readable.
10:21
